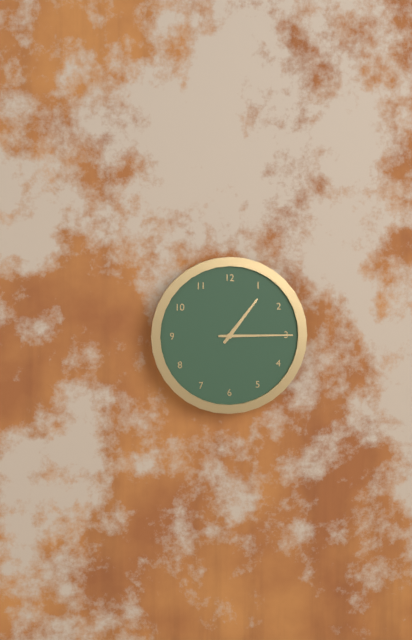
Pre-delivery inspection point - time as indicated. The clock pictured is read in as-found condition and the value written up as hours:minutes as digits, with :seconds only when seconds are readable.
1:15
